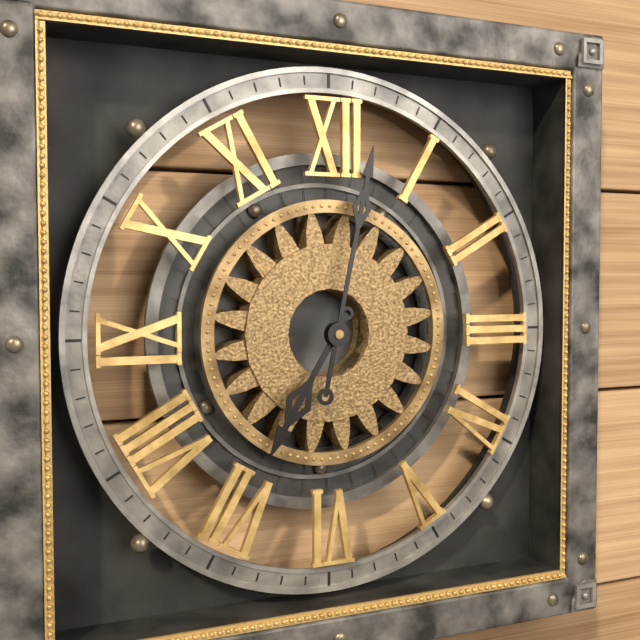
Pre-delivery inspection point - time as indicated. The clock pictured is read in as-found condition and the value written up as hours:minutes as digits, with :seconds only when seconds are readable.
7:02
